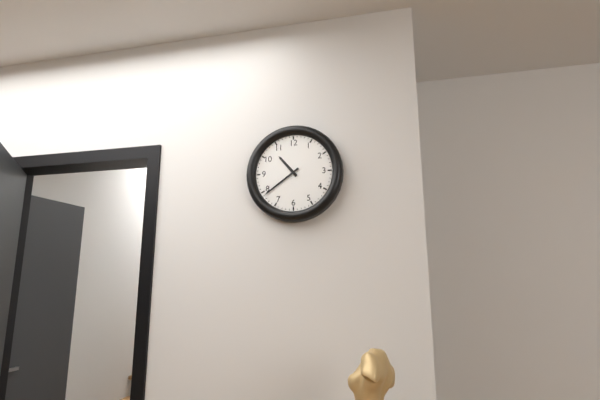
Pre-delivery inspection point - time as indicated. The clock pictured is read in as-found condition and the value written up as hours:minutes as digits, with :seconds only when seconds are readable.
10:39
